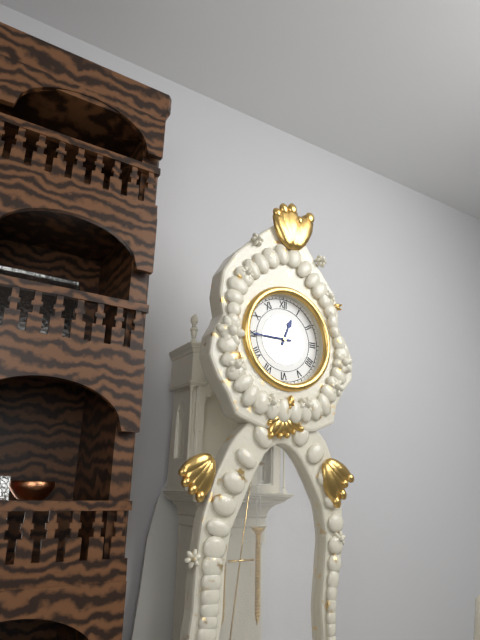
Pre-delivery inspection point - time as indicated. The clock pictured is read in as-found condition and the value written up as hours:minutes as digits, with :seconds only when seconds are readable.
12:45
